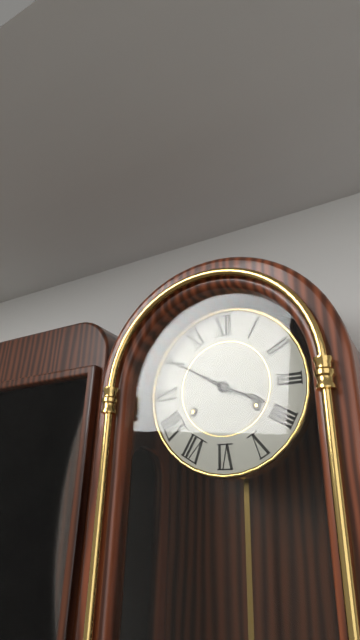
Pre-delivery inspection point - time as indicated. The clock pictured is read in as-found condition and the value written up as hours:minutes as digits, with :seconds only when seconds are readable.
3:50
